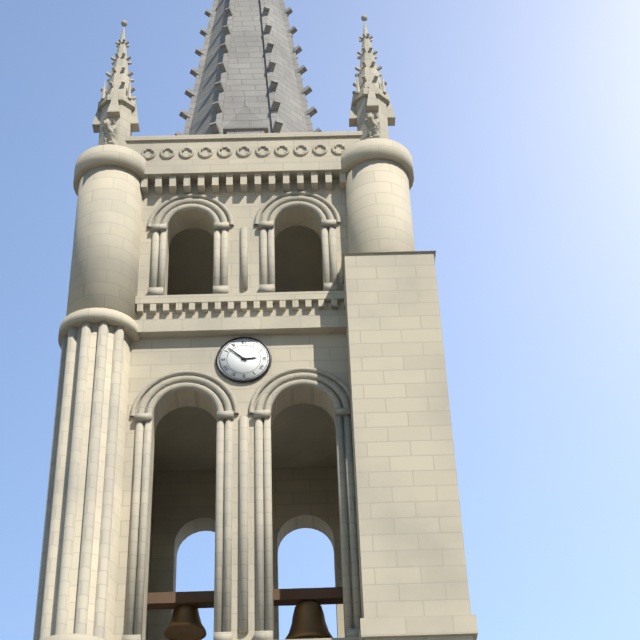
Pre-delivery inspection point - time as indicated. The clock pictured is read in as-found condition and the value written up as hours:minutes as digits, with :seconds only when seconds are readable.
2:52
